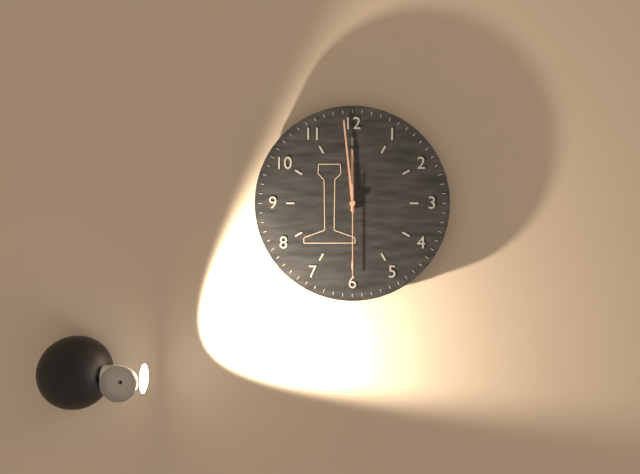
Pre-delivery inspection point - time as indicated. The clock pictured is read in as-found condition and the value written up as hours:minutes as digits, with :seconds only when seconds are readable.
11:59:30
